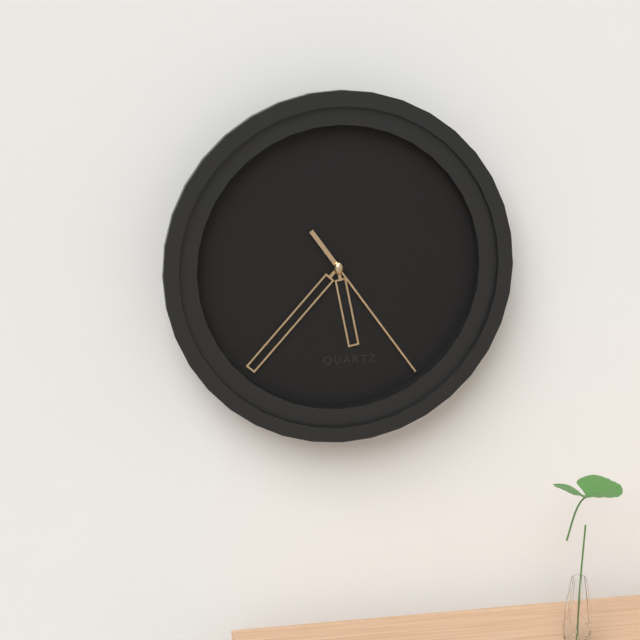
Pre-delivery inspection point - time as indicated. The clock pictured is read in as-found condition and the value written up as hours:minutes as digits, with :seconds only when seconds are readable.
5:37:24
